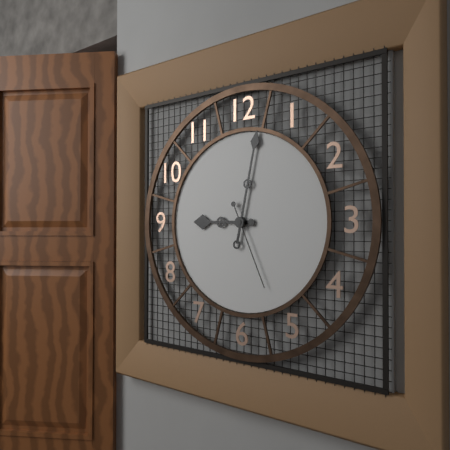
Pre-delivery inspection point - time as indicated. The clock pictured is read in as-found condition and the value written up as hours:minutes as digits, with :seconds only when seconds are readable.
9:02:26
